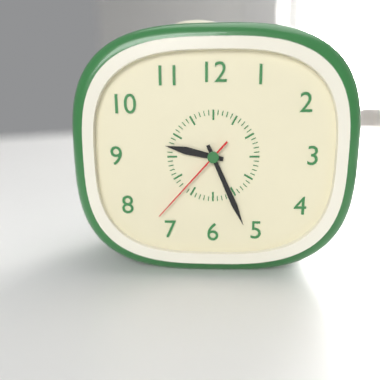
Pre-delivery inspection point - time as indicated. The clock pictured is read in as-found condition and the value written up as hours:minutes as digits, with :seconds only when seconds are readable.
9:26:37
